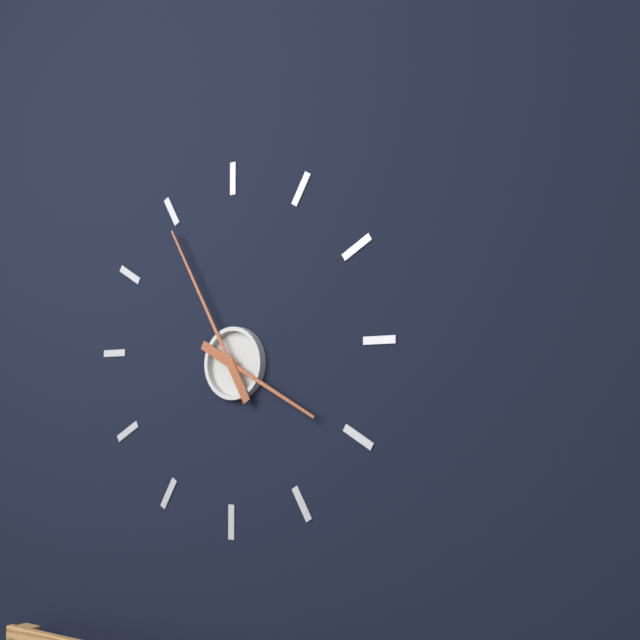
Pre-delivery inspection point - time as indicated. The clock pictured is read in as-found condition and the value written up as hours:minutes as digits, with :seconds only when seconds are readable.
3:55
